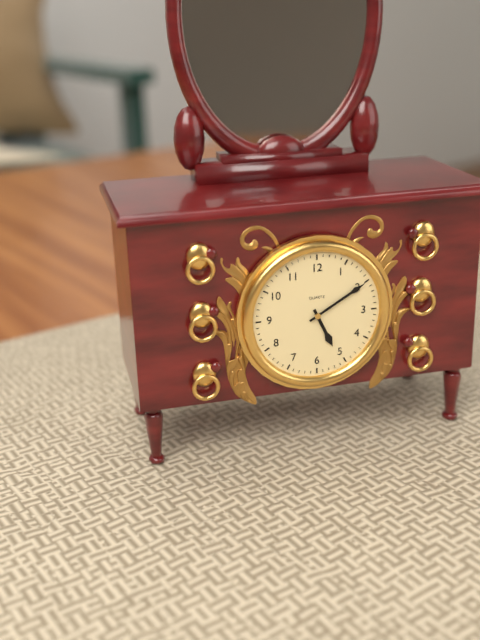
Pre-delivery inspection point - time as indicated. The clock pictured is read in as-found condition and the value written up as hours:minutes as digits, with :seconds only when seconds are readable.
5:10
